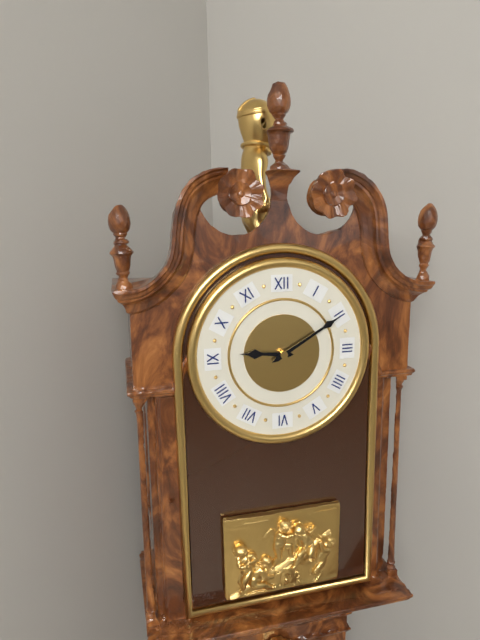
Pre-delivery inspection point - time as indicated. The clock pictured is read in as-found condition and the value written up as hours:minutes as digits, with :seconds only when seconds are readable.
9:10
